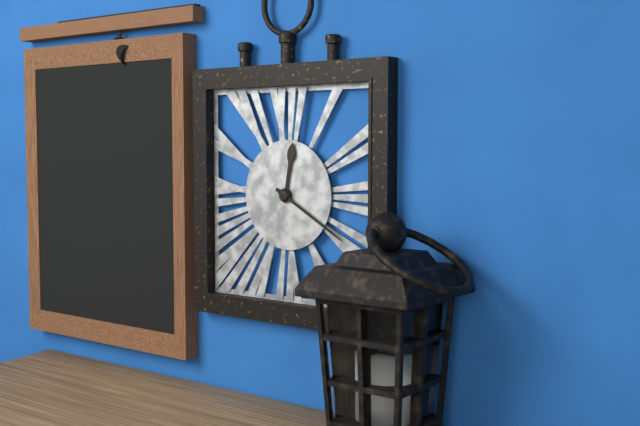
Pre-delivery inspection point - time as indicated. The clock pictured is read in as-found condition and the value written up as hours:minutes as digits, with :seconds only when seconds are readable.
12:20
